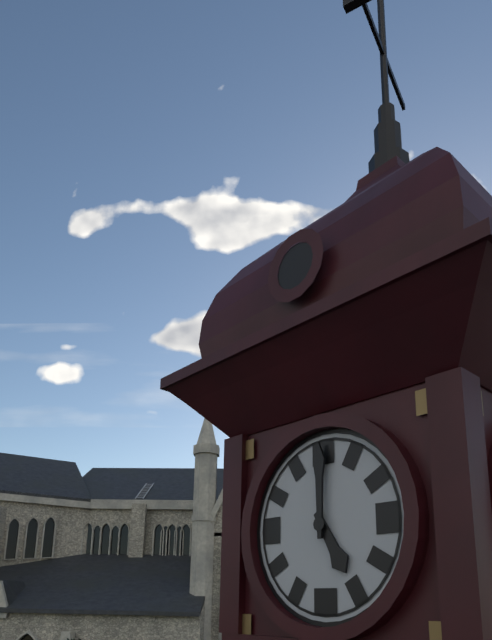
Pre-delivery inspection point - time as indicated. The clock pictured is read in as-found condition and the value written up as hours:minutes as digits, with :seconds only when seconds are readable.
5:00
